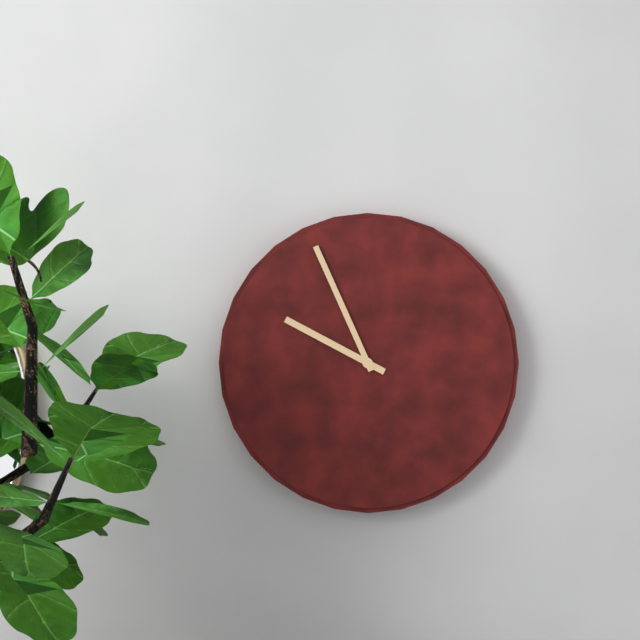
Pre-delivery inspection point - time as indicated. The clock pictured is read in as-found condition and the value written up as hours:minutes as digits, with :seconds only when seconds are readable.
9:56
